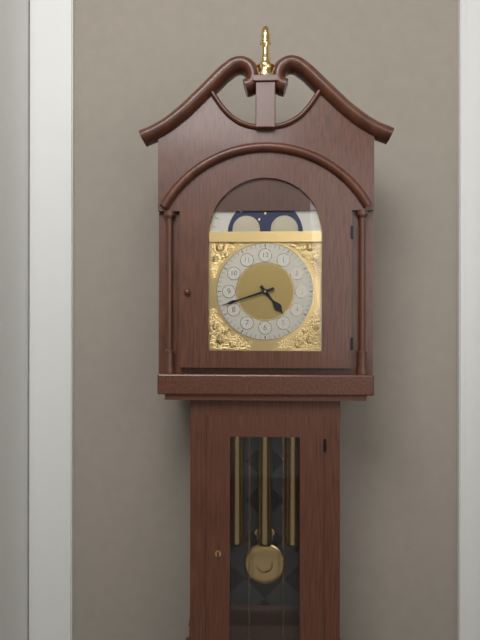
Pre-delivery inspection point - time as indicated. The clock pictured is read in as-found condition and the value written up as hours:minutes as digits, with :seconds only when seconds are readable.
4:42
